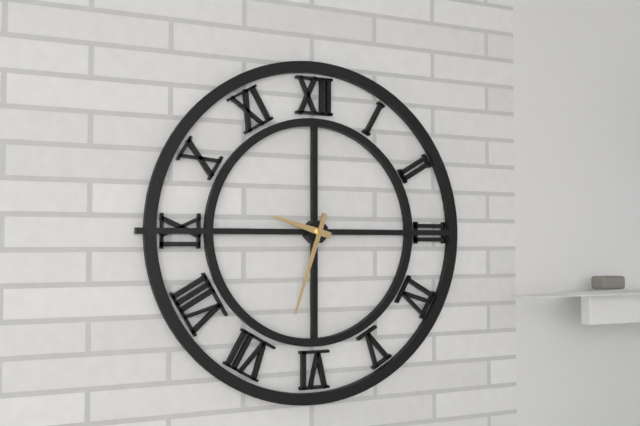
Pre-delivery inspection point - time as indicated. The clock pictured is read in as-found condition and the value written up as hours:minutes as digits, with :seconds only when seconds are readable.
9:33
